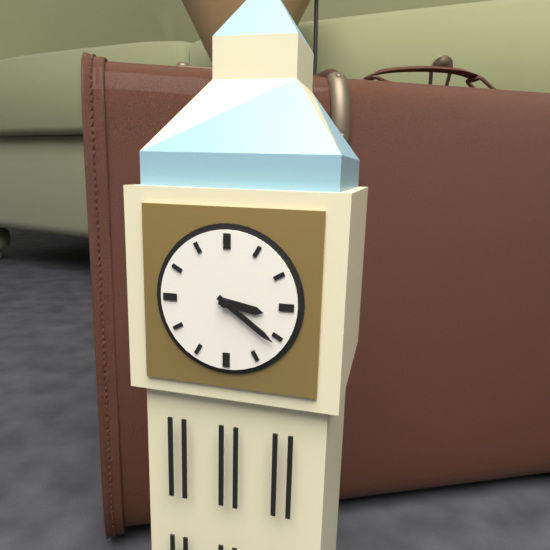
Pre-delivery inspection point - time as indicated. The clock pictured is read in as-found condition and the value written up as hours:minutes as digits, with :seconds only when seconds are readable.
3:21
